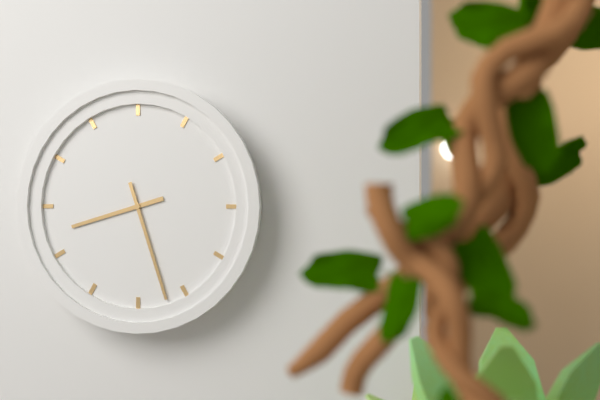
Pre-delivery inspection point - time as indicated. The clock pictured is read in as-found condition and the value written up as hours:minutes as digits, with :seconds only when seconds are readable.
8:27
